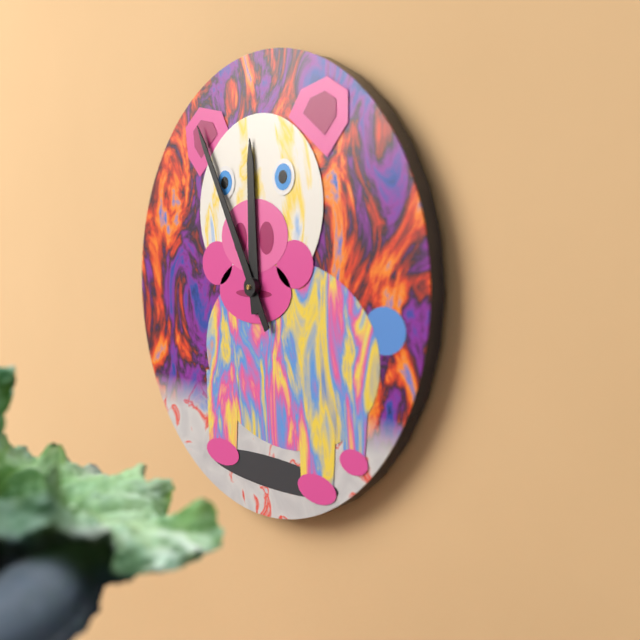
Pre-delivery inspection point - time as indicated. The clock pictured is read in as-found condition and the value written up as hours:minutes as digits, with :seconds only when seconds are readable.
11:55
